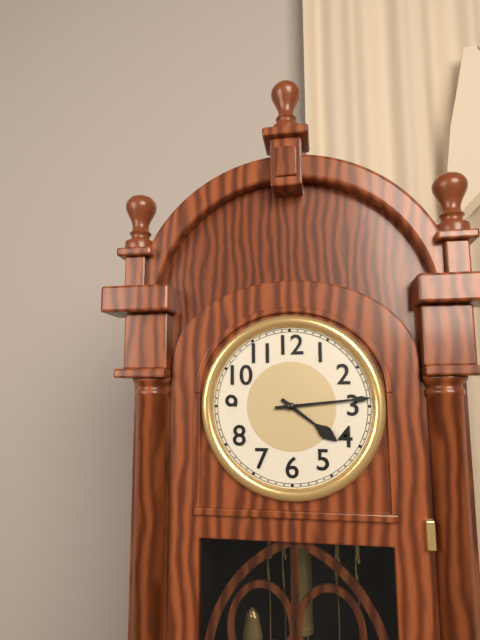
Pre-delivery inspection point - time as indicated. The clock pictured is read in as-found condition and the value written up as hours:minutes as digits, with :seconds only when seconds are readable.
4:14
